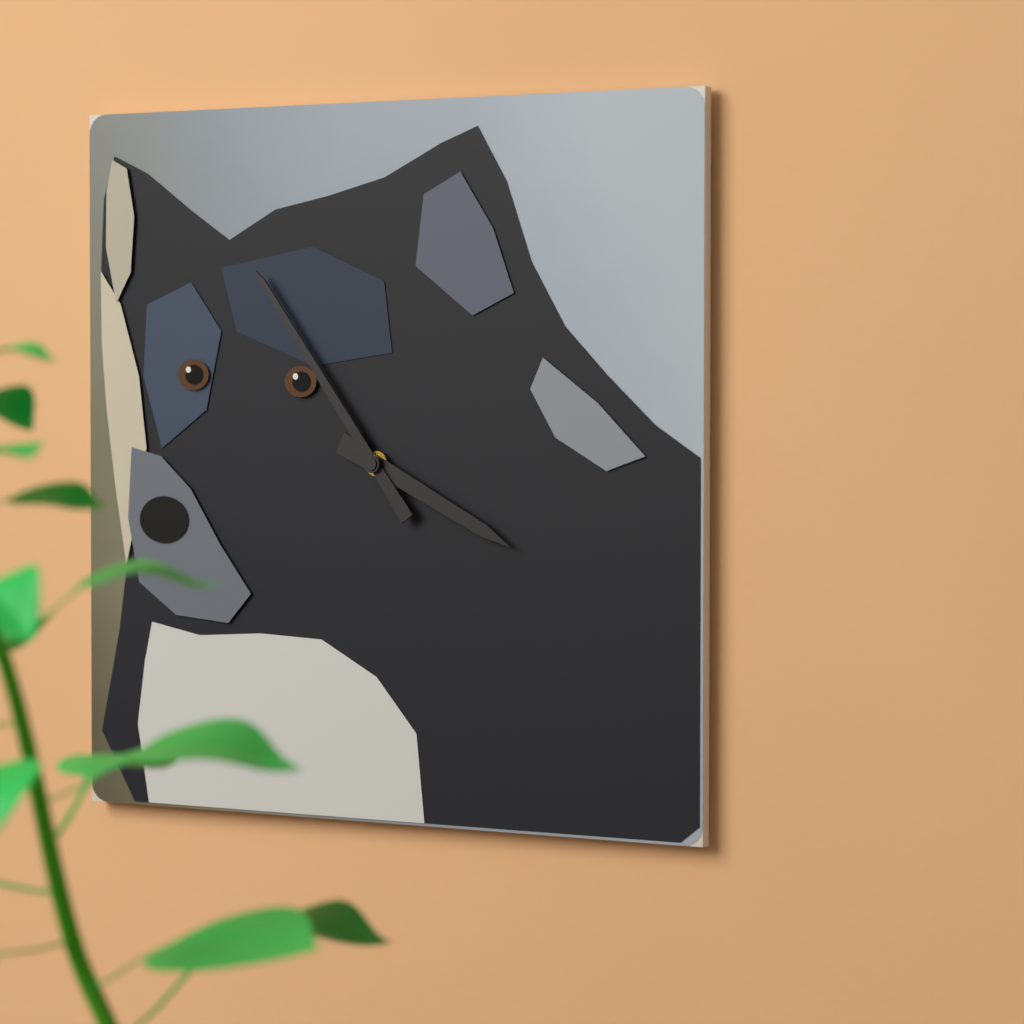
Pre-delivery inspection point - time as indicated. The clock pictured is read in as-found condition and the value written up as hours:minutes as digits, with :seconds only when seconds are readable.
3:54
